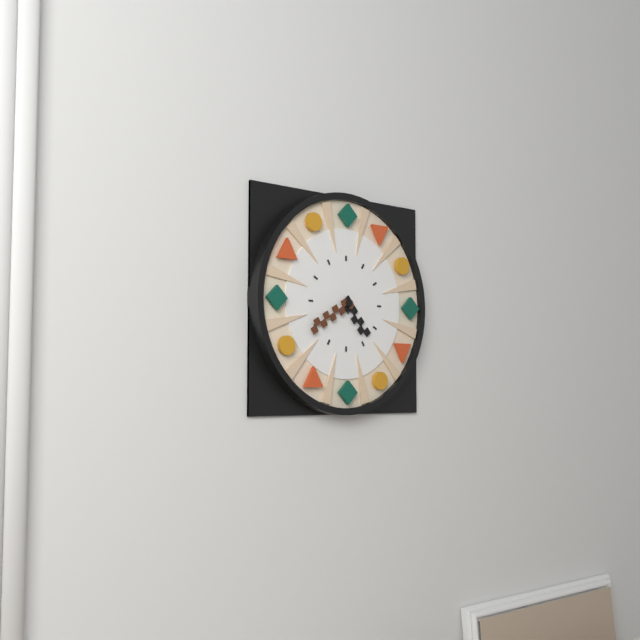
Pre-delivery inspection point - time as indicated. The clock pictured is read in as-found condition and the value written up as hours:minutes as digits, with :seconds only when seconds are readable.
4:40
